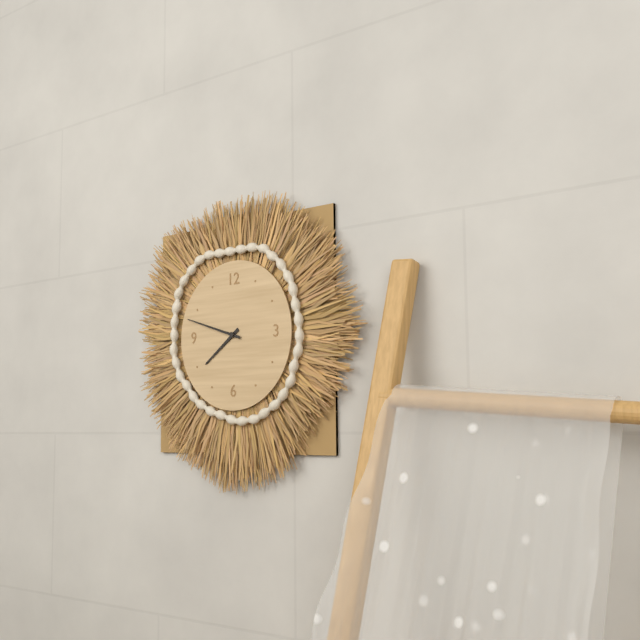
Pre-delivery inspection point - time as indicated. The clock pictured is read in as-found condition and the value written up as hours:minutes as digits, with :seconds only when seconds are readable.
7:48
